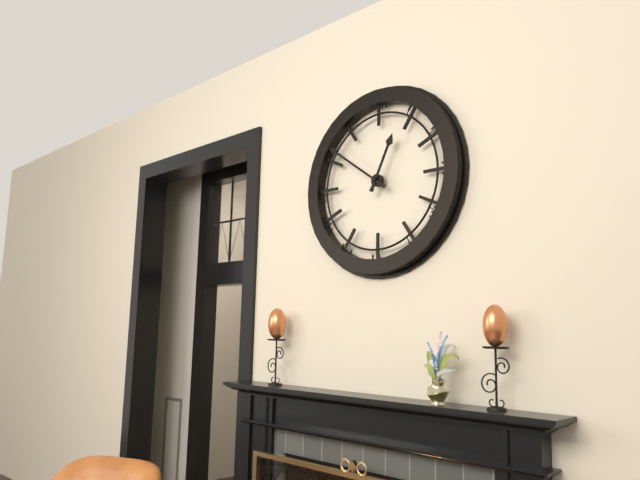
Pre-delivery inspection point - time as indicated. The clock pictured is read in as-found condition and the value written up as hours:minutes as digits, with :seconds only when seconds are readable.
12:51
